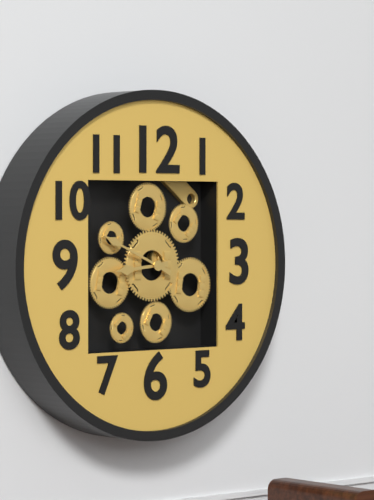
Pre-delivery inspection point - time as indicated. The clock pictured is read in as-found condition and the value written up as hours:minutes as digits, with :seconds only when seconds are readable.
8:49
